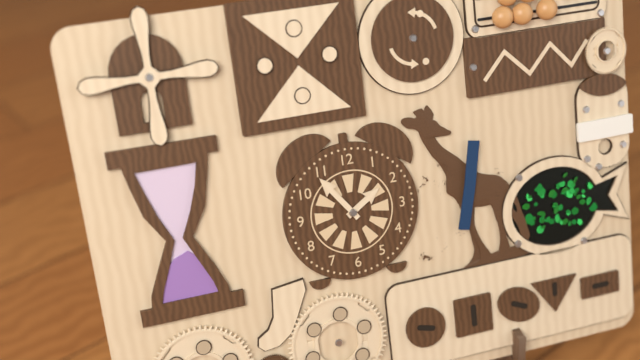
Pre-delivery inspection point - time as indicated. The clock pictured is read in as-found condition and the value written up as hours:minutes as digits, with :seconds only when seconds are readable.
1:54
